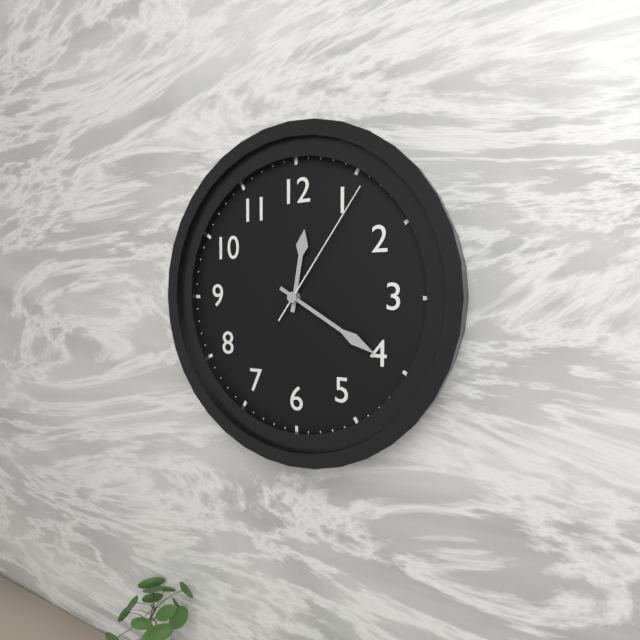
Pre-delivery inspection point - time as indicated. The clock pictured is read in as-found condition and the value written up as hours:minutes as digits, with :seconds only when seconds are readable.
12:20:06
